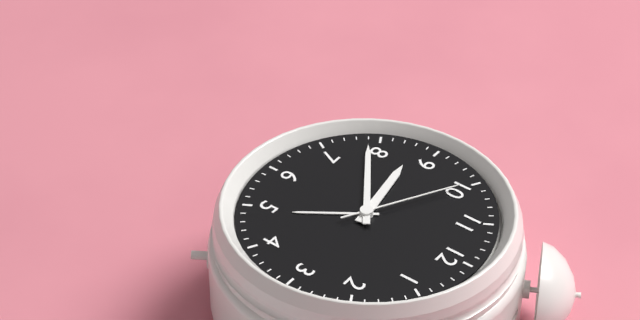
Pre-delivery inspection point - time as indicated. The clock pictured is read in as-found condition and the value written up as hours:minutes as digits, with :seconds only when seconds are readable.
8:39:50
